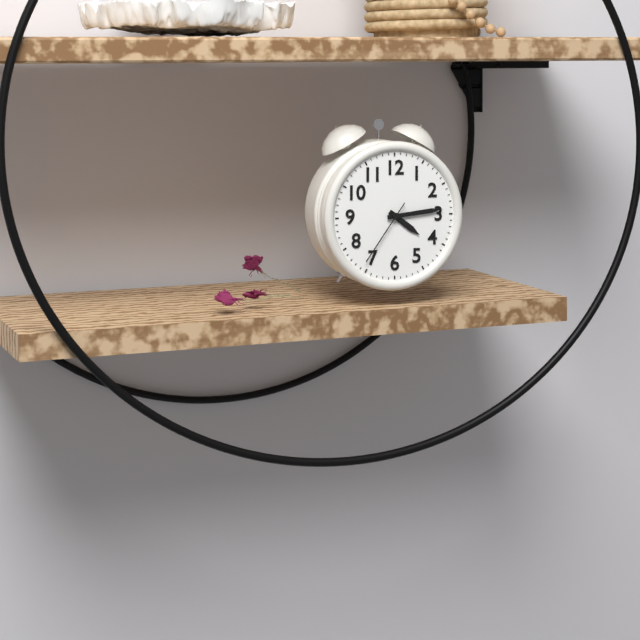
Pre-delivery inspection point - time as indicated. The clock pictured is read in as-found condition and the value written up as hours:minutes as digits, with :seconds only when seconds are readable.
4:14:36
